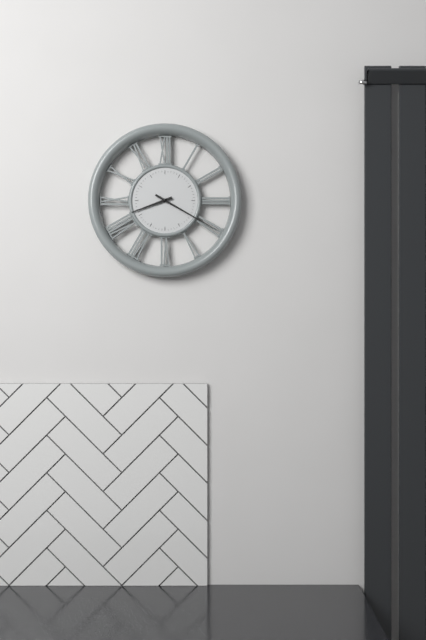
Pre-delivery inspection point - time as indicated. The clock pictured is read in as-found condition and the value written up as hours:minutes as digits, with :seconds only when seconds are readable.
8:20
